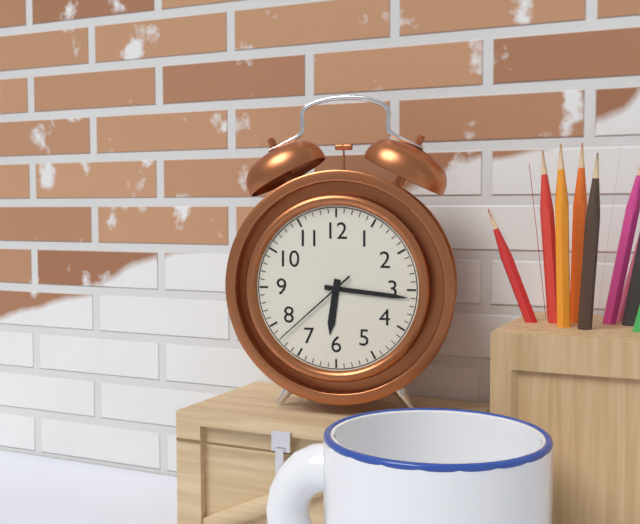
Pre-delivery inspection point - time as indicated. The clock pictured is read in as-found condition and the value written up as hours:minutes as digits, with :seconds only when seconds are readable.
6:16:38
